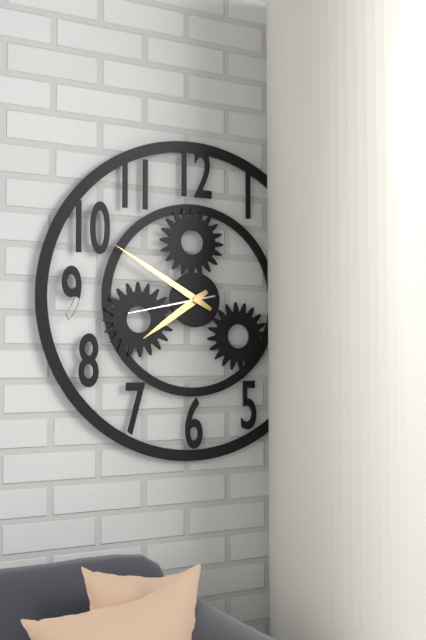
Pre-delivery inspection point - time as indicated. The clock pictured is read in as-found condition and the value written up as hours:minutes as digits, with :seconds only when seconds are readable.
7:50:43
